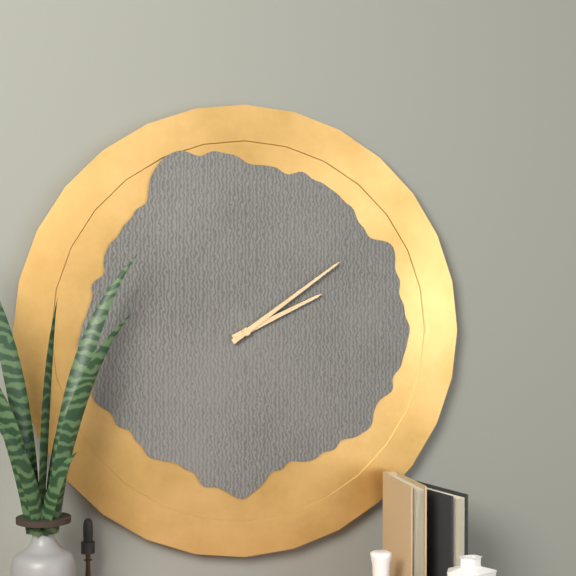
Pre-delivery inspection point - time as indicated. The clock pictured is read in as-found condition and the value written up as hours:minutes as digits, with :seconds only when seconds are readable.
2:09
